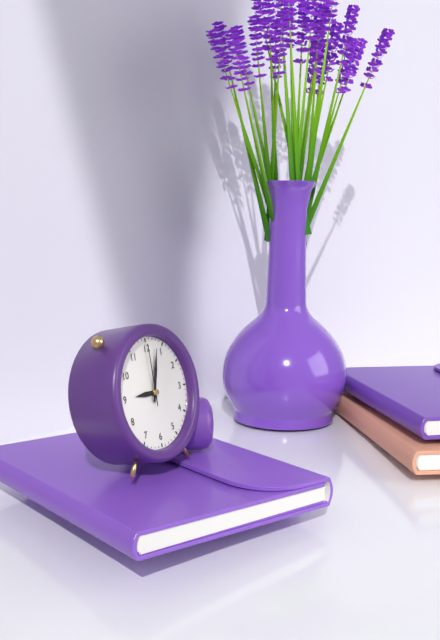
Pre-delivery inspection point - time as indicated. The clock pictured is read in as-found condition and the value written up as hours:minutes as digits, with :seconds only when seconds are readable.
9:03:00
